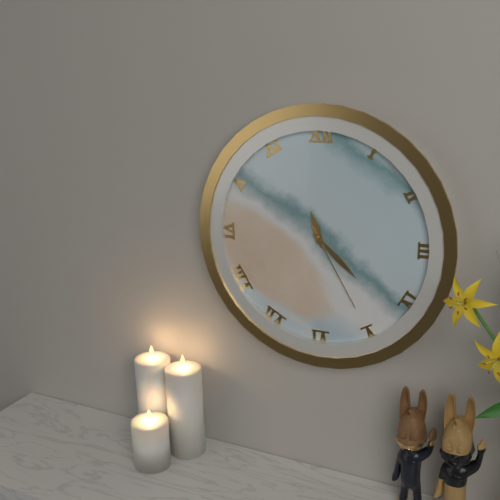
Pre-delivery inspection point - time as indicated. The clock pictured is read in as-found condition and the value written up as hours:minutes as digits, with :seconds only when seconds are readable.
11:22:25
